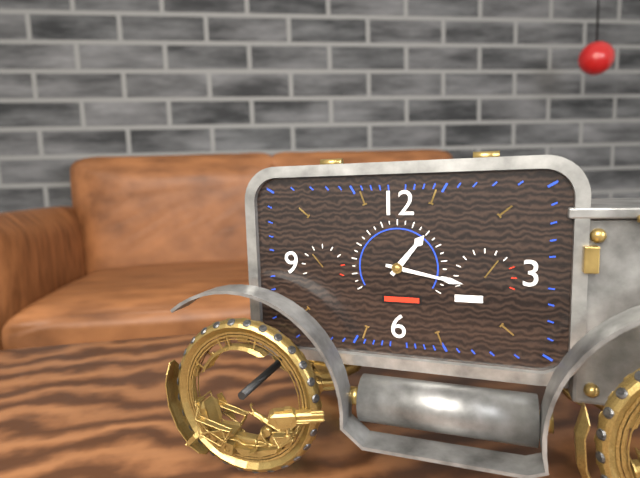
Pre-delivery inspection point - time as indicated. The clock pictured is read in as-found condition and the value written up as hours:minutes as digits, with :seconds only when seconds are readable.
1:17
